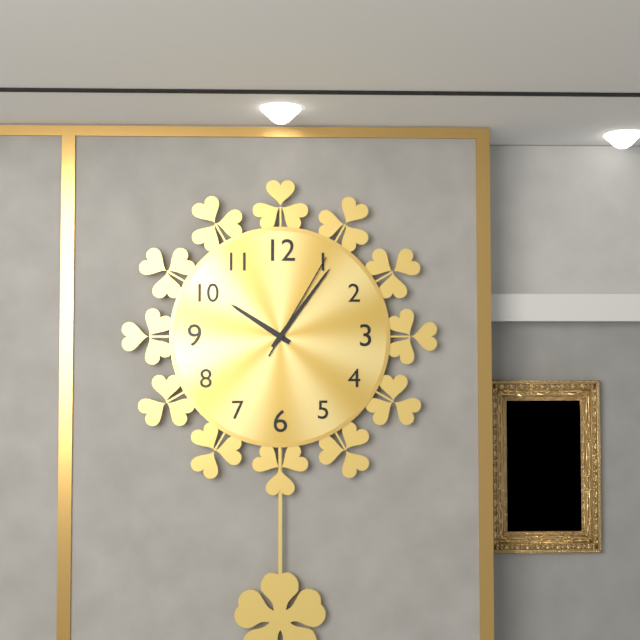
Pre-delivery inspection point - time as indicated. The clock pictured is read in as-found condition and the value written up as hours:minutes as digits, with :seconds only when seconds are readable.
10:06:05
